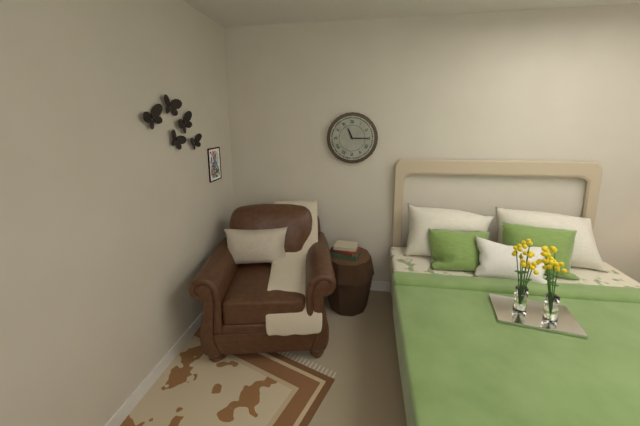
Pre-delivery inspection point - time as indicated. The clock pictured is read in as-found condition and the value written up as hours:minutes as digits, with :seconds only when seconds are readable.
11:15
